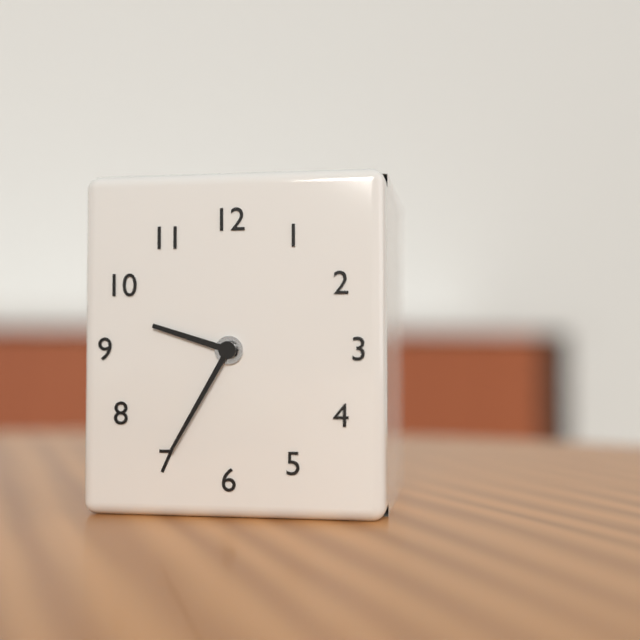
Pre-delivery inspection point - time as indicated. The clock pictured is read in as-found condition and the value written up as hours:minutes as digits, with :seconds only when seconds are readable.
9:35
